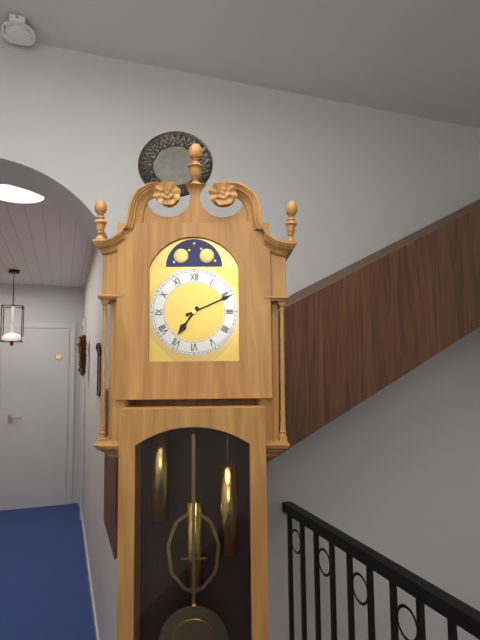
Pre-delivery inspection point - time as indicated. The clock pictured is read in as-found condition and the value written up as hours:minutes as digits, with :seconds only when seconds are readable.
7:11
